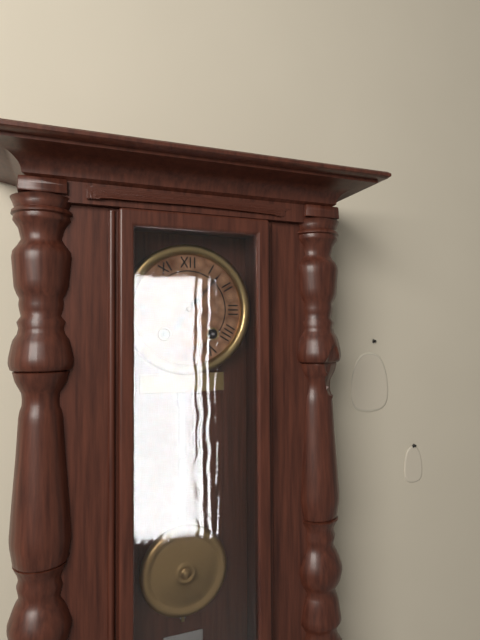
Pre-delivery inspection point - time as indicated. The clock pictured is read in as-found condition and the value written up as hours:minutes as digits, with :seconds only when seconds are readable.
7:07
